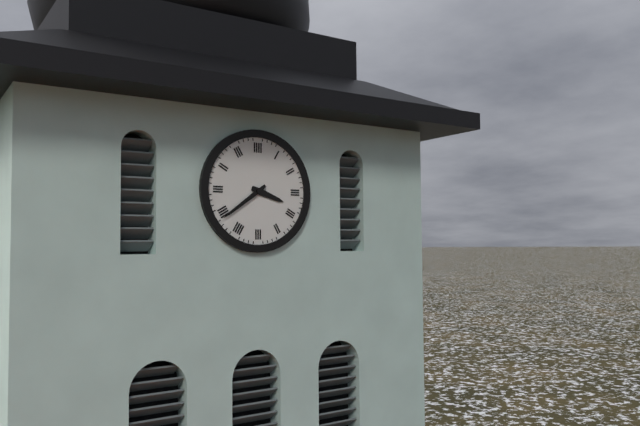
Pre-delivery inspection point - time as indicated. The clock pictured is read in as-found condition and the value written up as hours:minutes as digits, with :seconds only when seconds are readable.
3:39
